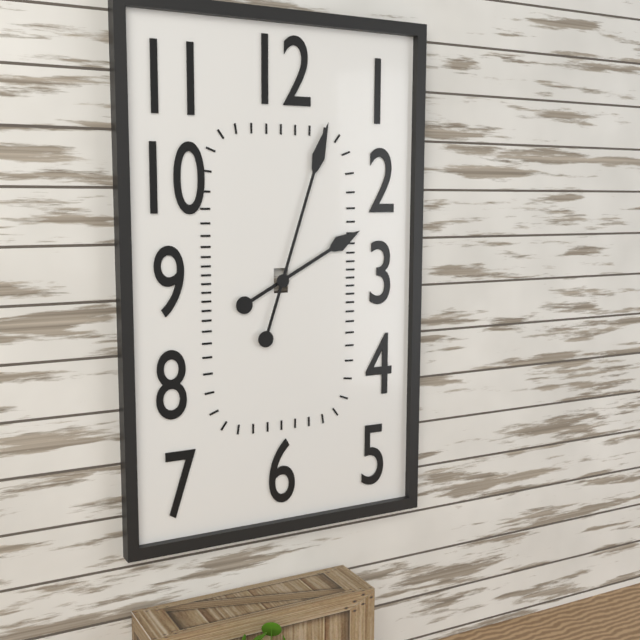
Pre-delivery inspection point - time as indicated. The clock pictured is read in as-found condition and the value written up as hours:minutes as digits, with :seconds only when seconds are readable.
2:03
